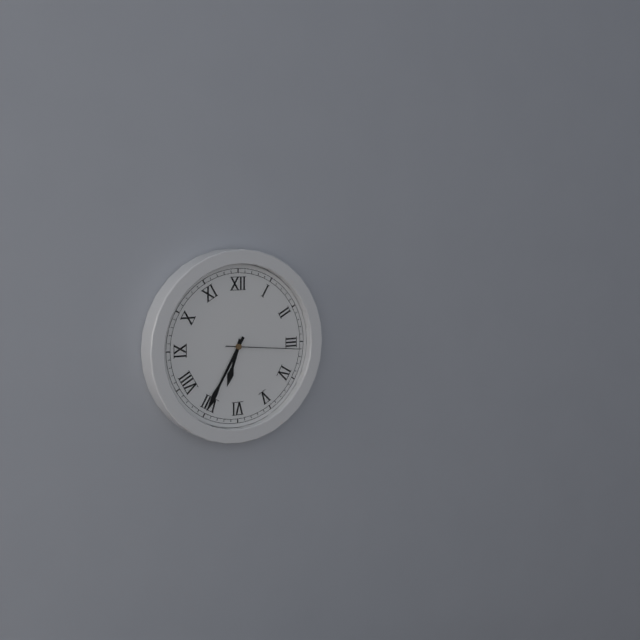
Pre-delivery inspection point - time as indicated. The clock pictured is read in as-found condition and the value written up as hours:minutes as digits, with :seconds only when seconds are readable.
6:35:16
